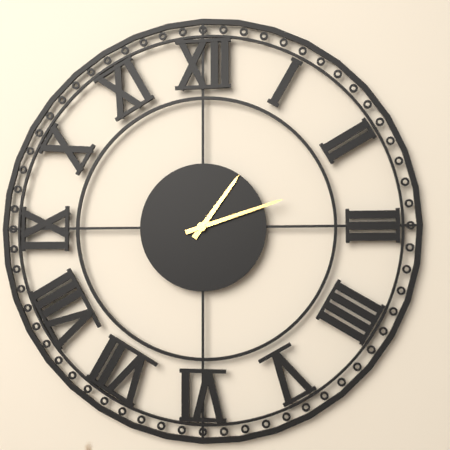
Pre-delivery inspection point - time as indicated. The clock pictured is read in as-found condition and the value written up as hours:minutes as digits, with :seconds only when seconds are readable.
1:12
